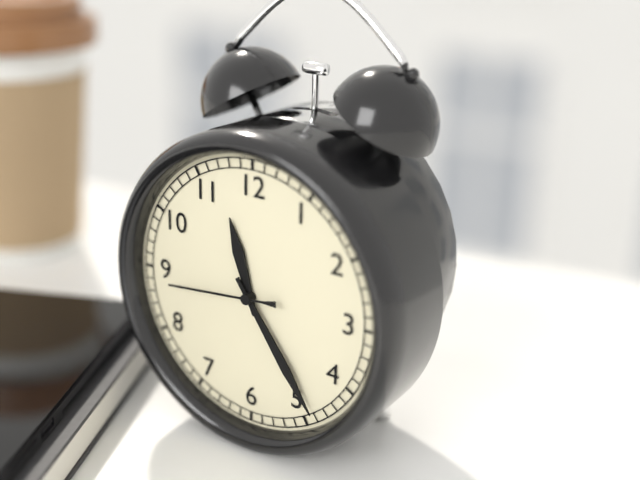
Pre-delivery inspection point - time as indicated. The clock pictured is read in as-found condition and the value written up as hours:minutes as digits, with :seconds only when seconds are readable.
11:24:44
